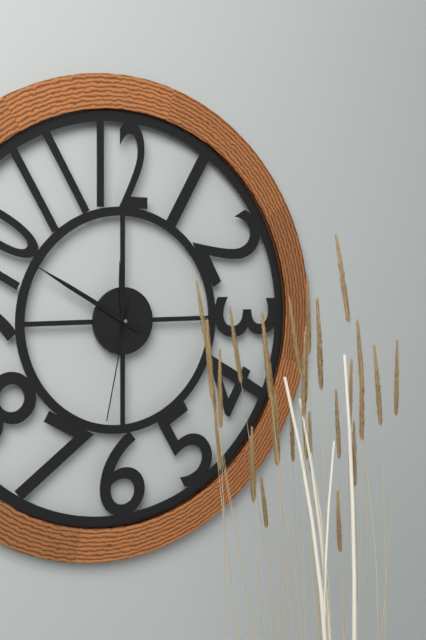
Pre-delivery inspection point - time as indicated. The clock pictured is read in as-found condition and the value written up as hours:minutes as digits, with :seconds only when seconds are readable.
11:50:32
